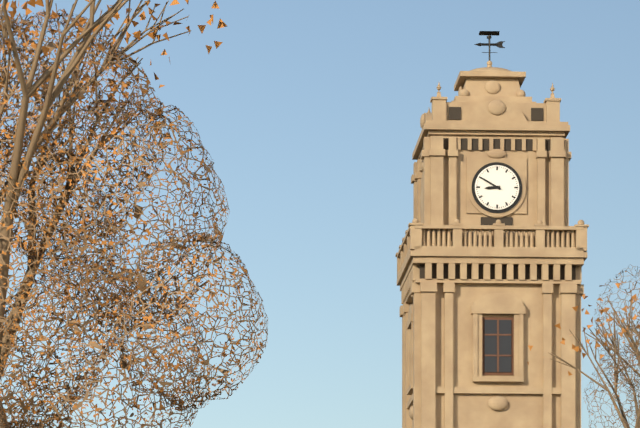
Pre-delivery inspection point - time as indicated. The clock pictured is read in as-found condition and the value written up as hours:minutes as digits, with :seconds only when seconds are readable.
8:50
